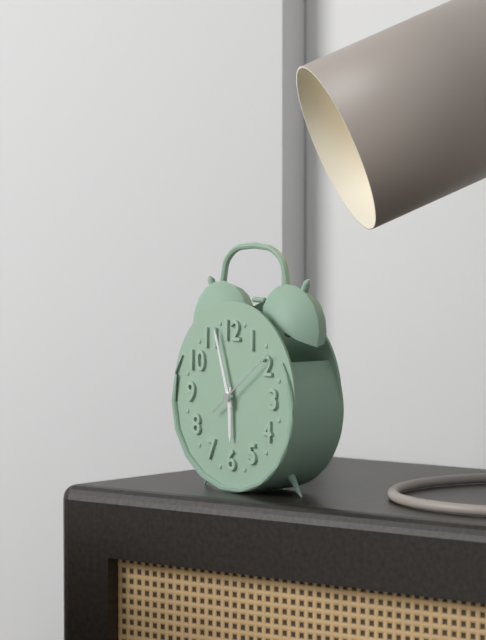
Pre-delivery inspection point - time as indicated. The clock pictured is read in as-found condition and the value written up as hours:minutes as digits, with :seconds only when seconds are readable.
5:57:09
